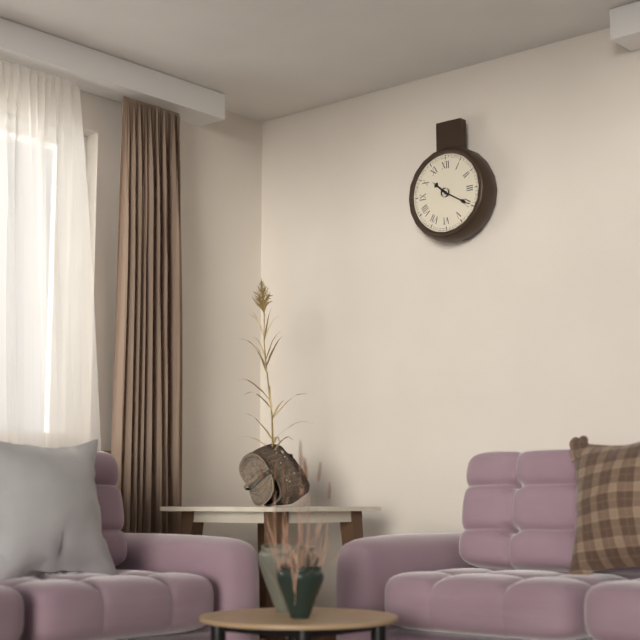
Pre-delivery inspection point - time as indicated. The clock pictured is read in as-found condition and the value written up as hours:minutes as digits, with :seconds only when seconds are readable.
10:20
